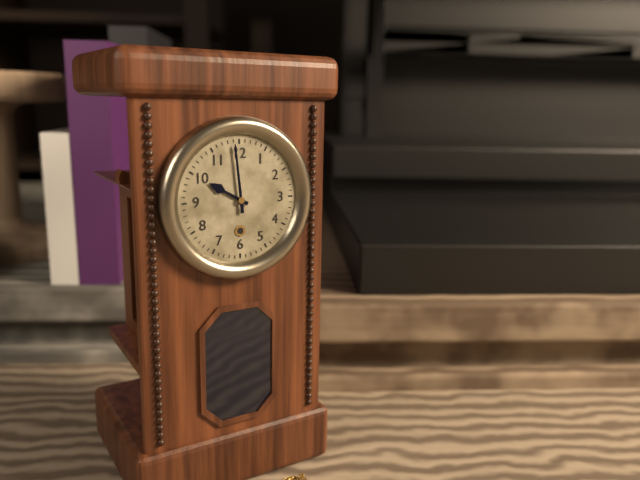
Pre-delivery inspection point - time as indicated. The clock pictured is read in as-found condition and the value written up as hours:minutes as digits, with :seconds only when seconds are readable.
9:59
